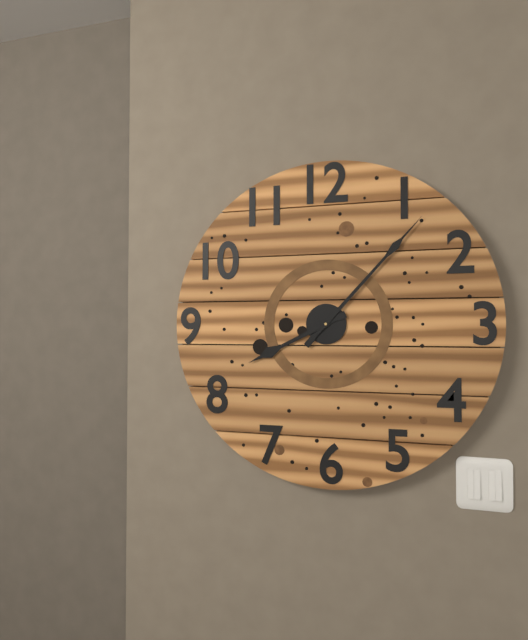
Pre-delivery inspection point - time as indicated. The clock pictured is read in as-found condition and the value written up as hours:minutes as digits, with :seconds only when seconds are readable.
8:07
